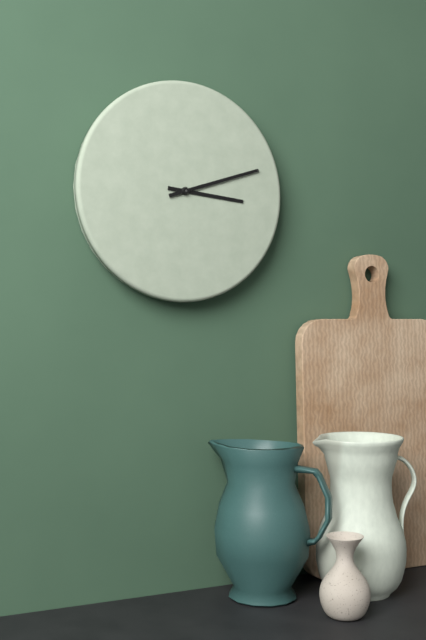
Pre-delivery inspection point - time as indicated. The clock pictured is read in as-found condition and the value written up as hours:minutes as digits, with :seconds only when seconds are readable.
3:12
